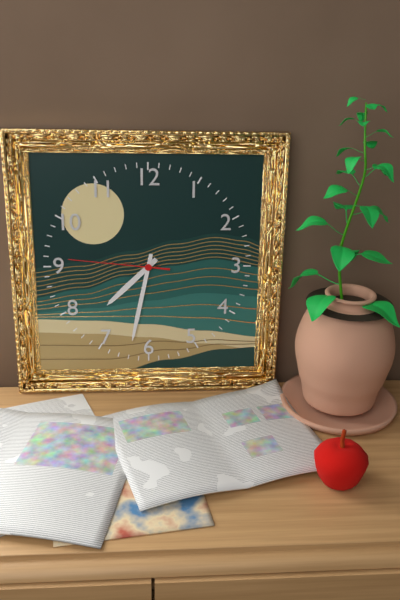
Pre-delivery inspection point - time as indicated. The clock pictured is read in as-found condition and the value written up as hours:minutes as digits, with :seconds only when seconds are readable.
7:32:46
